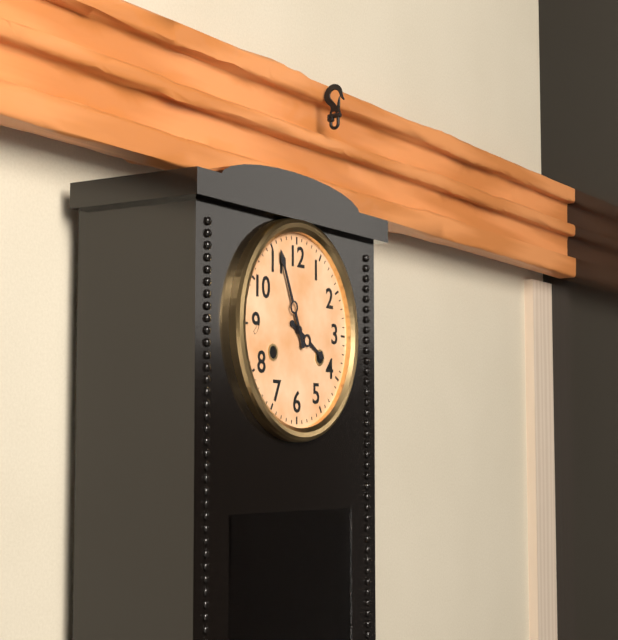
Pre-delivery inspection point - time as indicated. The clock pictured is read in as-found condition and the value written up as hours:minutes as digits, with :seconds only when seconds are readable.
3:56
